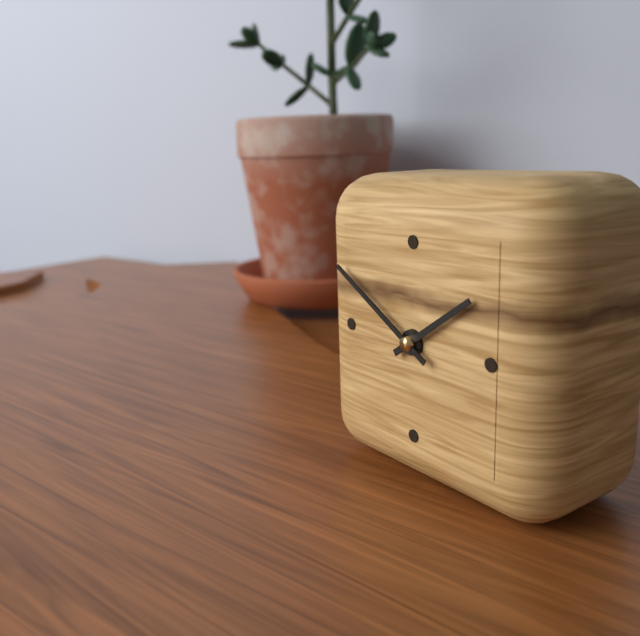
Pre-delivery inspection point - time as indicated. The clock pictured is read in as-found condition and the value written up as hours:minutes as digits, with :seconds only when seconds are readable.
1:50
